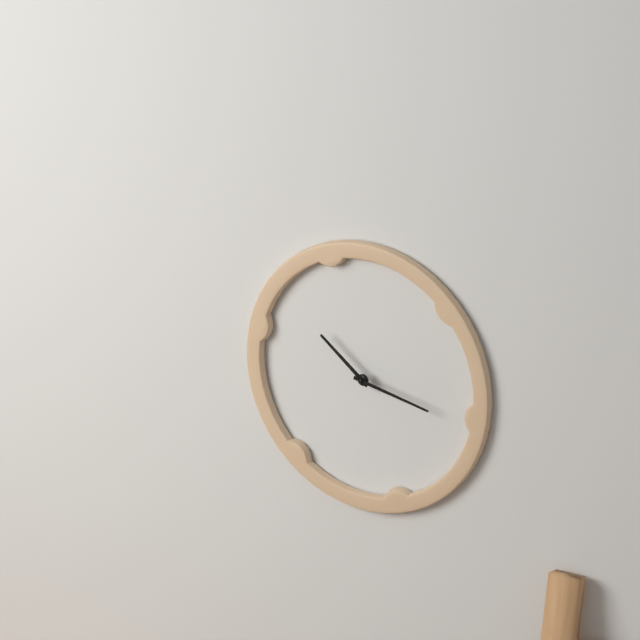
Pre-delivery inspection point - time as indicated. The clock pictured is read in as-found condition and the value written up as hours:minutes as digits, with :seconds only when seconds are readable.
10:17
